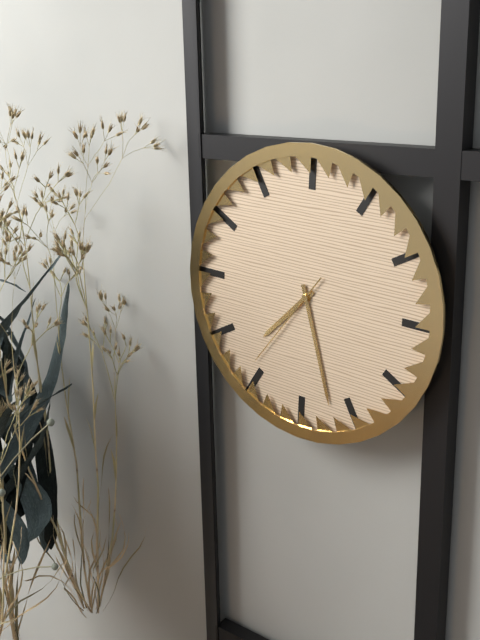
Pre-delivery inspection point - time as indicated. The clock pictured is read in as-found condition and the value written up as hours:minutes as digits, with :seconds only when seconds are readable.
7:27:36
